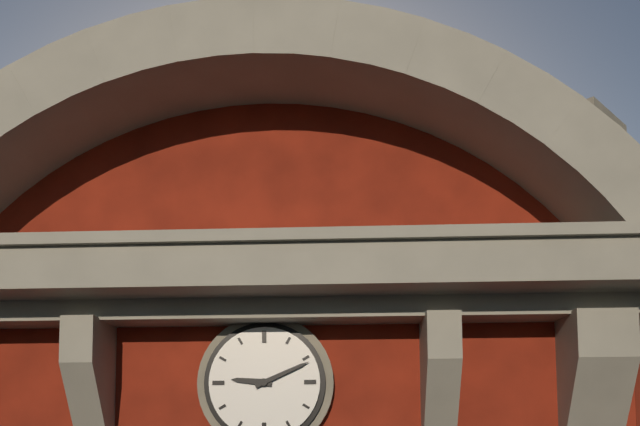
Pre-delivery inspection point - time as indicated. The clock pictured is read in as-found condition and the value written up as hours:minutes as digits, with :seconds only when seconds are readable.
9:11
